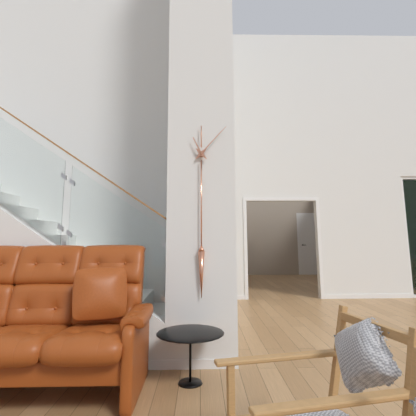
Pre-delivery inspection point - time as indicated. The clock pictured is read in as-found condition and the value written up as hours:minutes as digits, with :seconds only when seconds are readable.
11:07
